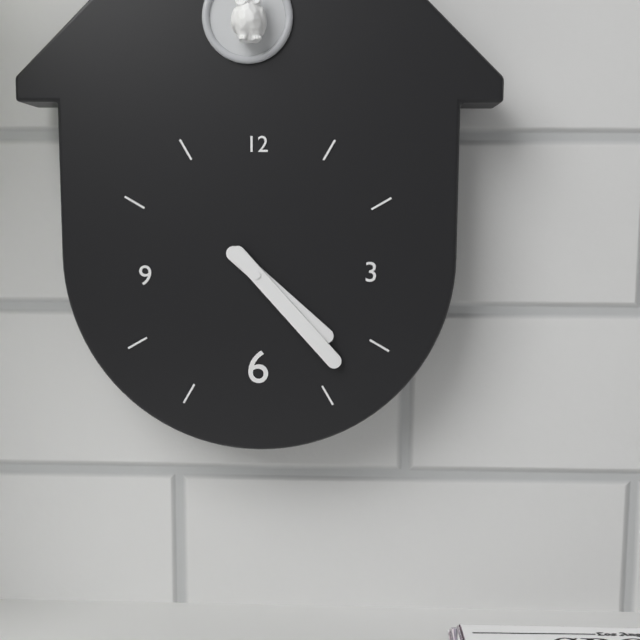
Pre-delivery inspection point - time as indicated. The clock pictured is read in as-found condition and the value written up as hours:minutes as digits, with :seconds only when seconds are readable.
4:23
